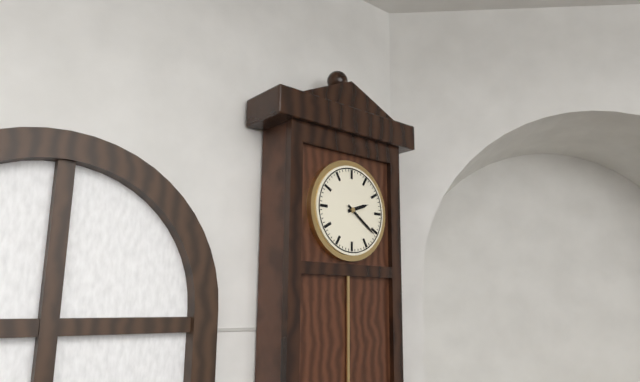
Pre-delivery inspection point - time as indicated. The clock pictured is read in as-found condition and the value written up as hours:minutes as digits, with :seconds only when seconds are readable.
2:21
